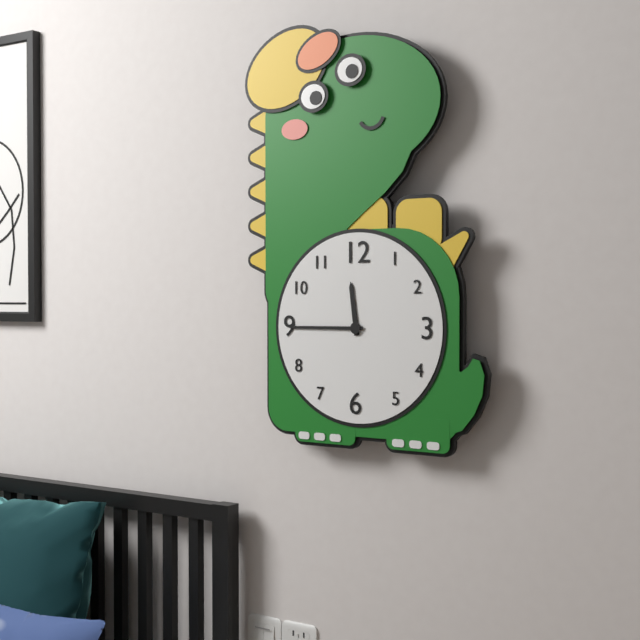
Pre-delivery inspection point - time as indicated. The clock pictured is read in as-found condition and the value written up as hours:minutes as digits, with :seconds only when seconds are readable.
11:45
